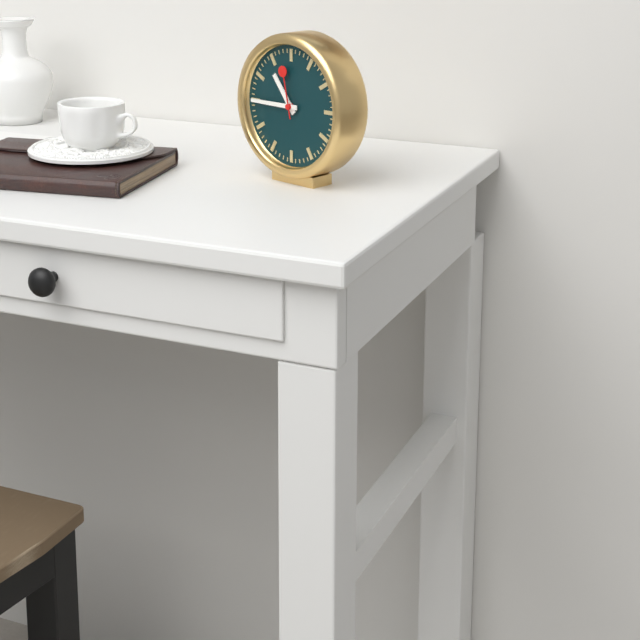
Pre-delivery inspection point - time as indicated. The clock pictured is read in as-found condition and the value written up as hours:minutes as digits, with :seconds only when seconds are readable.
10:45:58
